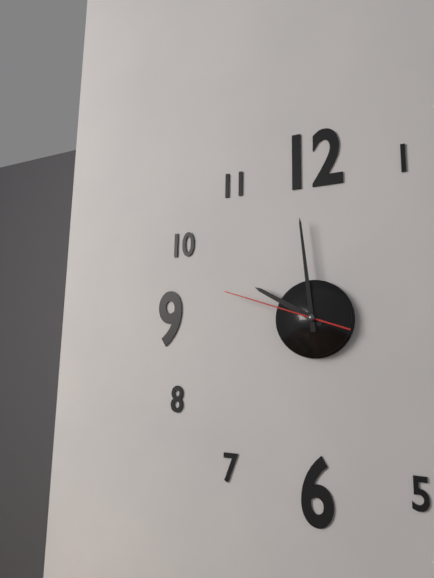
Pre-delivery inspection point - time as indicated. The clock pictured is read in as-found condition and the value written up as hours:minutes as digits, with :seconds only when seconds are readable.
9:59:48
